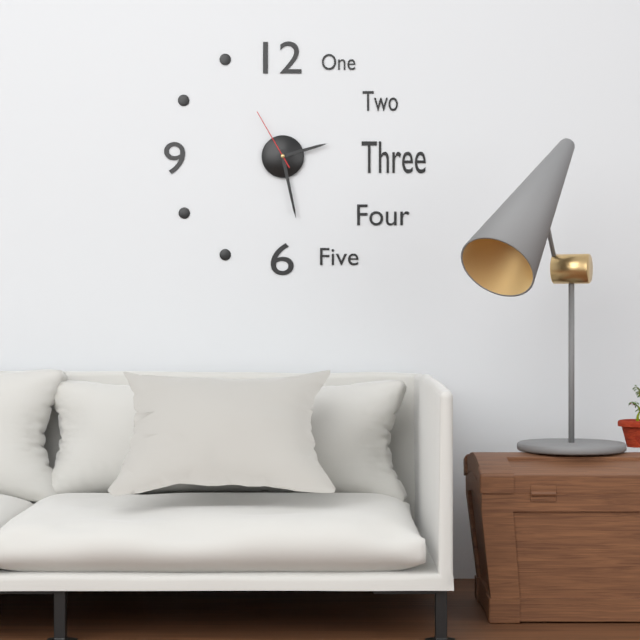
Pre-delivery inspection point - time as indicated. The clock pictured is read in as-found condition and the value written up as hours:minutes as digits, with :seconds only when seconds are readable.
2:28:55
